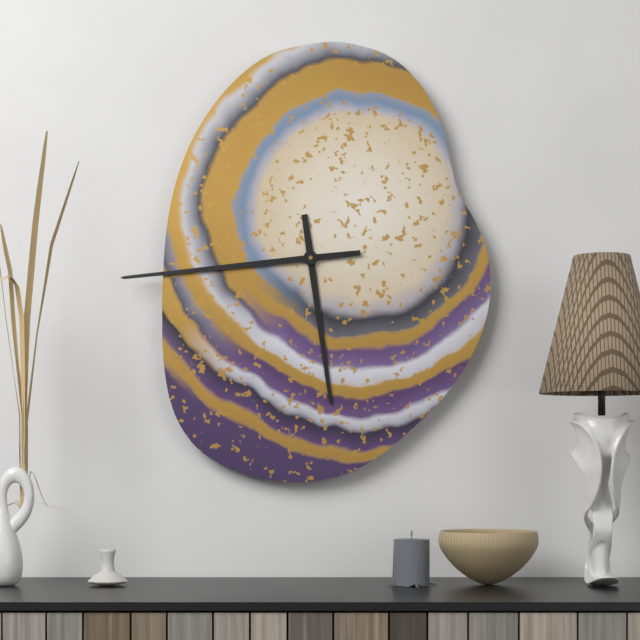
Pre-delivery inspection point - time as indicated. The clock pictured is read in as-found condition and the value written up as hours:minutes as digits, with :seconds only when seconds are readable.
5:44
